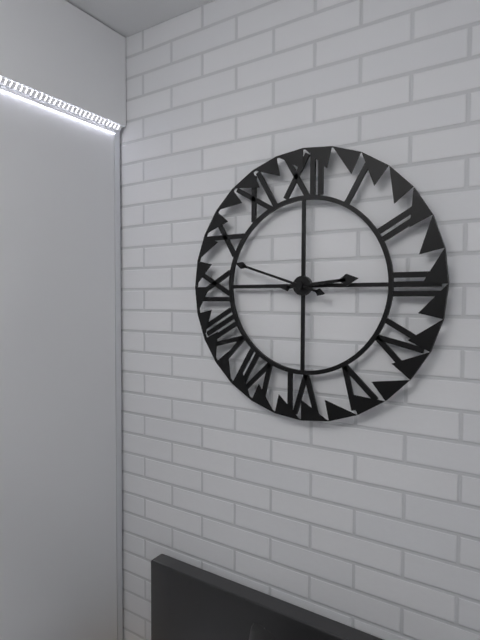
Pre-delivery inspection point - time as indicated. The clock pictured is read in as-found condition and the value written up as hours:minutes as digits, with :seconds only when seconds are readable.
2:48
